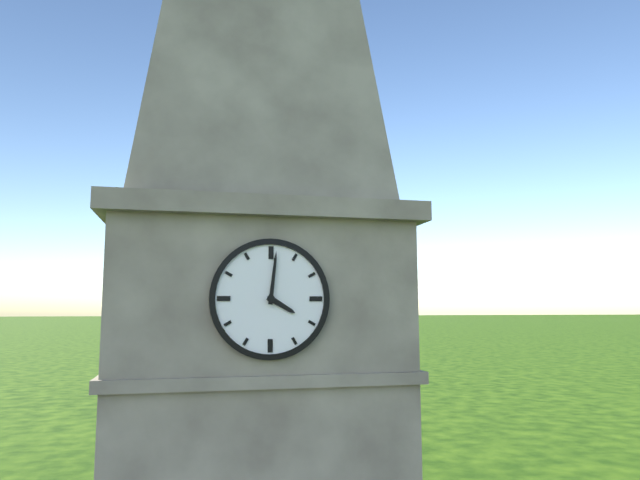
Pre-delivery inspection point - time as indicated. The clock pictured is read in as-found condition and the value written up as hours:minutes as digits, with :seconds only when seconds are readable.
4:01
